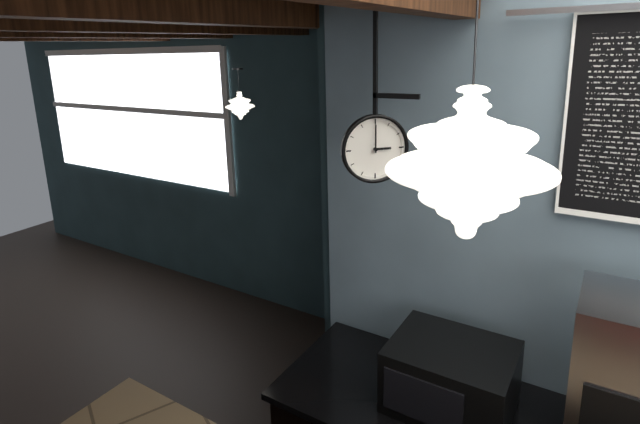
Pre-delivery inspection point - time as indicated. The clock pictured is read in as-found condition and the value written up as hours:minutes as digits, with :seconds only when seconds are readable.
3:00
